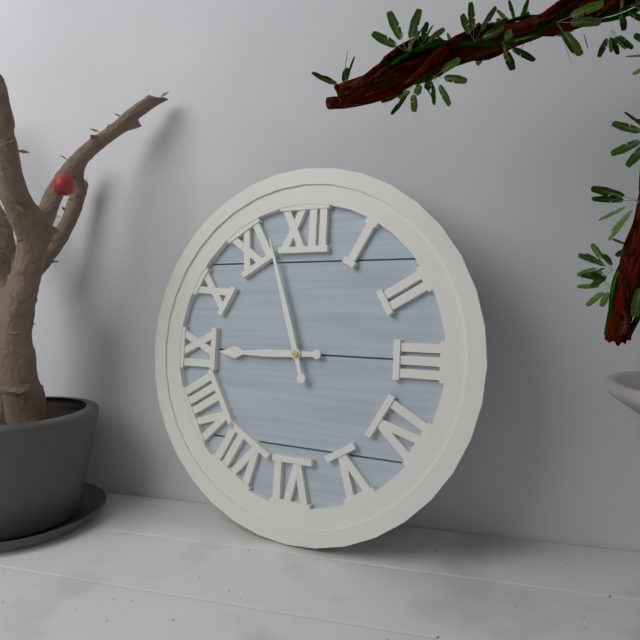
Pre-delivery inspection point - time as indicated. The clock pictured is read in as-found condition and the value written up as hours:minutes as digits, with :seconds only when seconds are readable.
8:57
